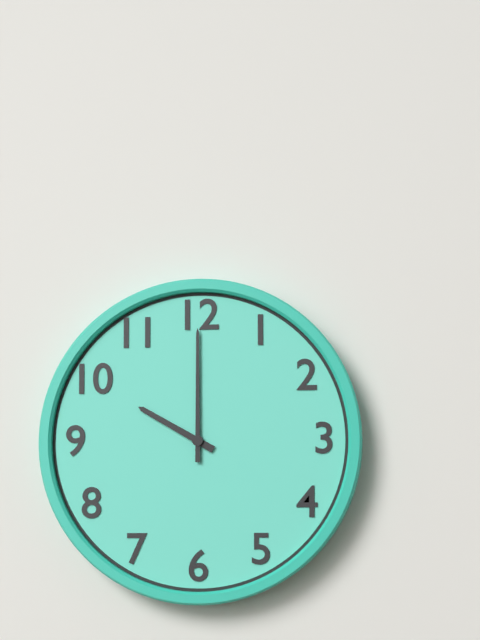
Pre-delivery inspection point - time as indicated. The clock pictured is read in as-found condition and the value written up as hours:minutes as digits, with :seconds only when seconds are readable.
10:00
